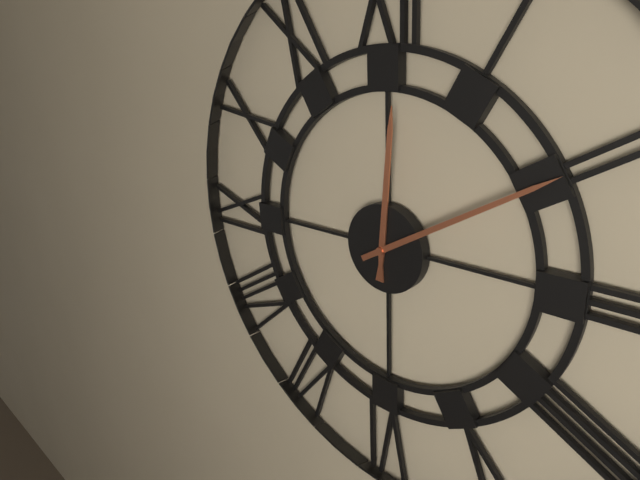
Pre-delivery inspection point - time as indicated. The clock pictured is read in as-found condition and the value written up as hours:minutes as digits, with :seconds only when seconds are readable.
12:10
